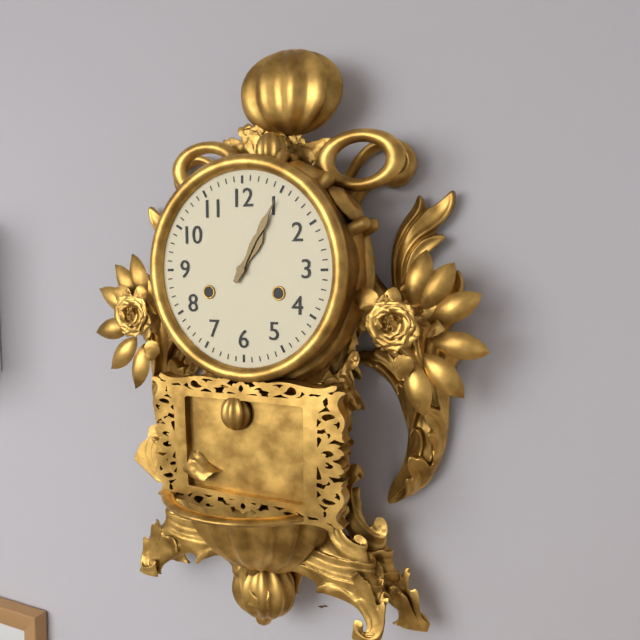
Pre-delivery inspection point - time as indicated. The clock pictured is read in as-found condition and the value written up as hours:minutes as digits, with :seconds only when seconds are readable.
1:05
